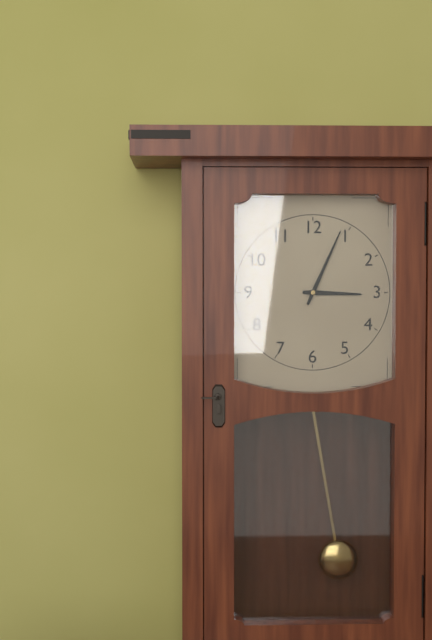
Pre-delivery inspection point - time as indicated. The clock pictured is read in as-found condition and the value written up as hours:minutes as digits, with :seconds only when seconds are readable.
3:04
